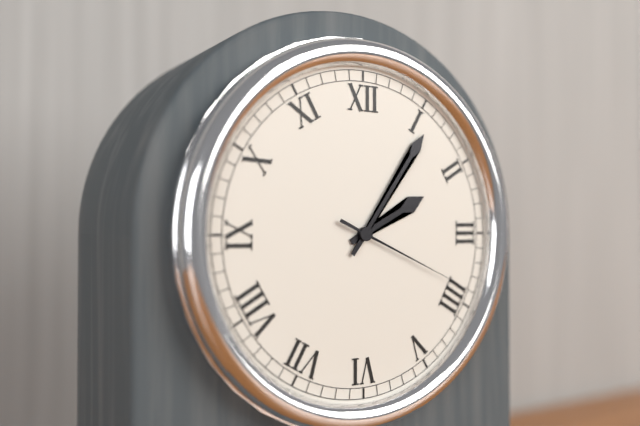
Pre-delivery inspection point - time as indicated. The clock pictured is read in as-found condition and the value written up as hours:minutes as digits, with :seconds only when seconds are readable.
2:06:19
